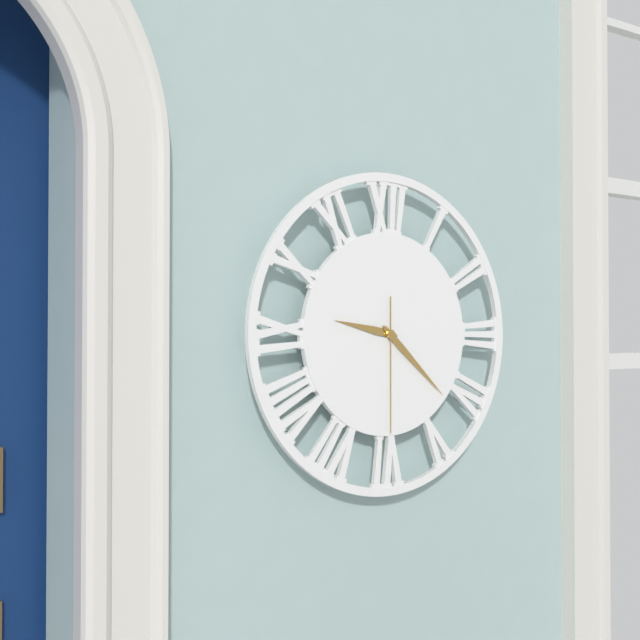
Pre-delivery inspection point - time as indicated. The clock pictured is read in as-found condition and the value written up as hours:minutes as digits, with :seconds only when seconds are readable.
9:22:30
